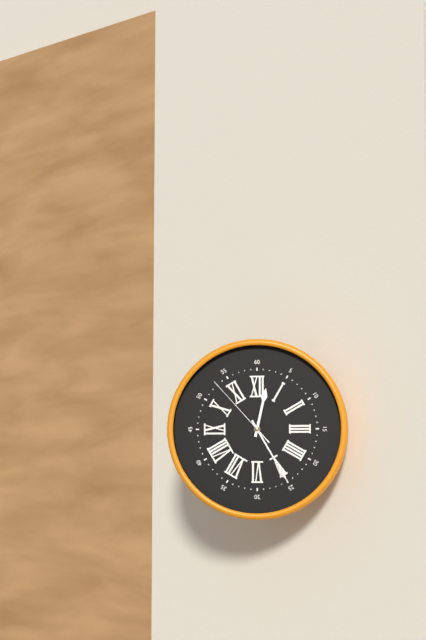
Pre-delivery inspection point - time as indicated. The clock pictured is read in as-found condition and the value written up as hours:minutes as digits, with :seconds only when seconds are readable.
12:25:53
